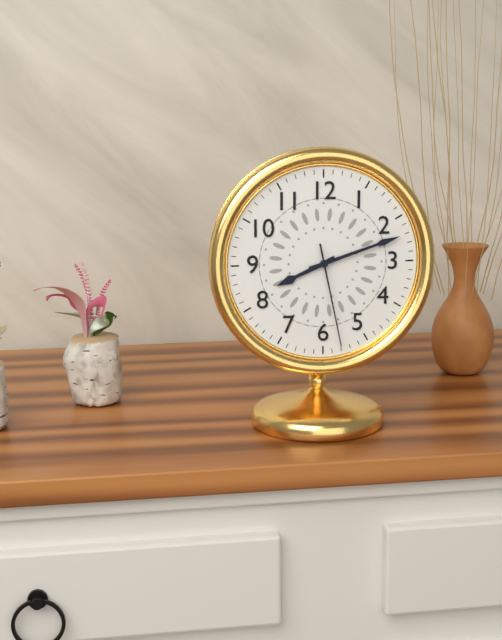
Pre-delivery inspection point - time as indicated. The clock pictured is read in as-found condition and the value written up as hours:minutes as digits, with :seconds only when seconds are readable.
8:12:28
